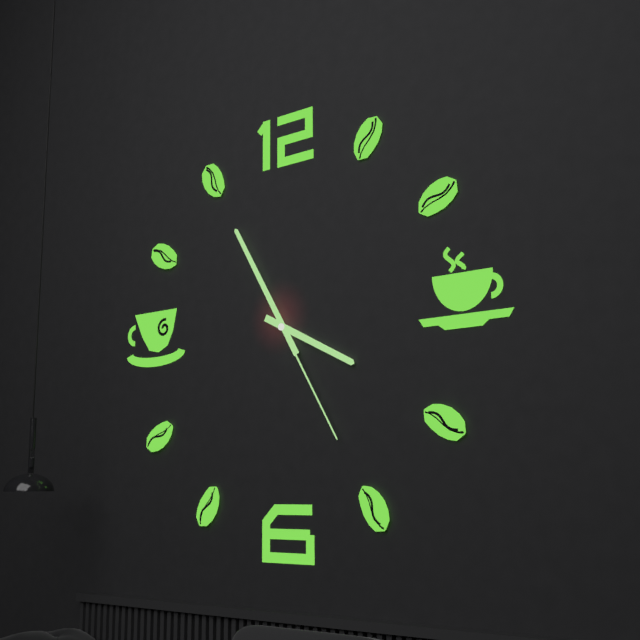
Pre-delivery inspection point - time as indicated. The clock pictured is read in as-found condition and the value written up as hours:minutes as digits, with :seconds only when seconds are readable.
3:55:25
